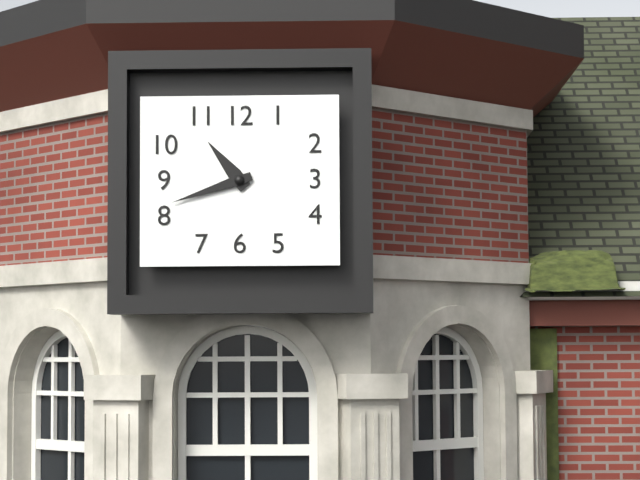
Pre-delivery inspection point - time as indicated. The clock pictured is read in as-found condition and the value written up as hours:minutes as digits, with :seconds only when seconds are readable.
10:42
